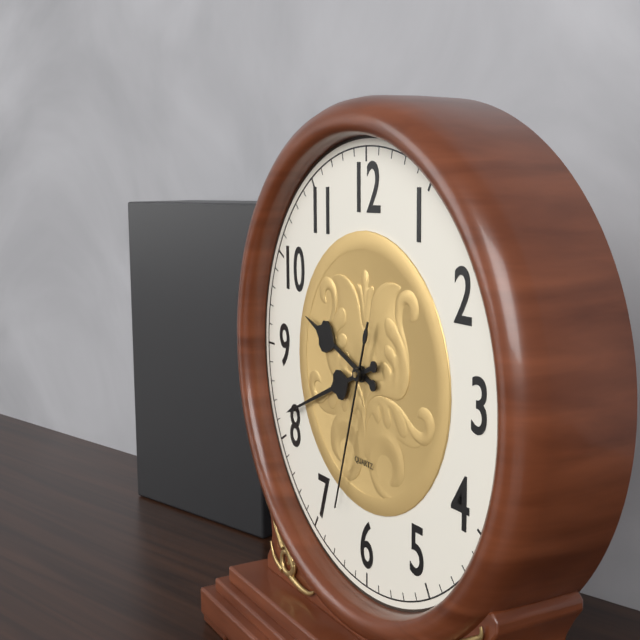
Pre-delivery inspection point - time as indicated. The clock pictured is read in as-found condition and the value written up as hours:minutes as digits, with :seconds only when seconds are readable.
9:41:33
